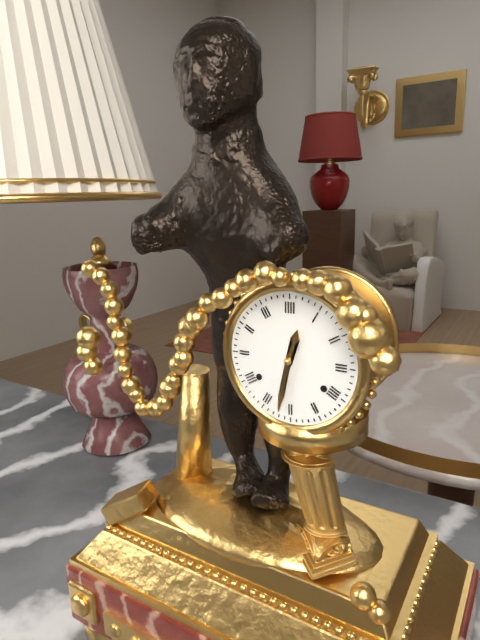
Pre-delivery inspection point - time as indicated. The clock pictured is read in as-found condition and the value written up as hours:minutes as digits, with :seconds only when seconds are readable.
12:32
